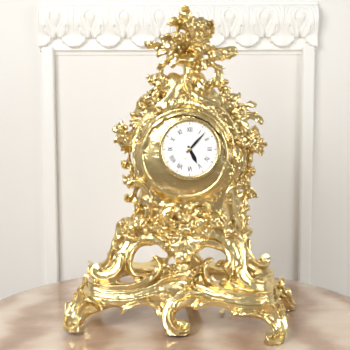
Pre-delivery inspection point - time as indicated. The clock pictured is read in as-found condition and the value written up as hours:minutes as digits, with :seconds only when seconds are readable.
5:07
